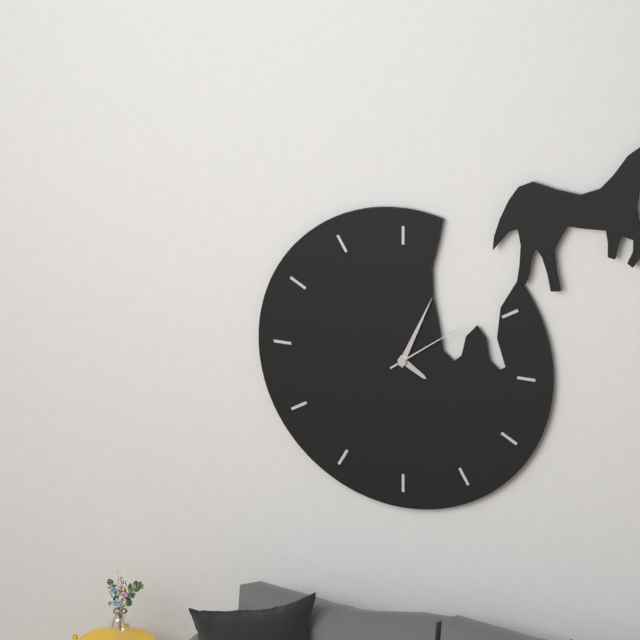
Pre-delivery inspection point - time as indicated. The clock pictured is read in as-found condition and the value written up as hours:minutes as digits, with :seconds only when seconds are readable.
4:04:09
